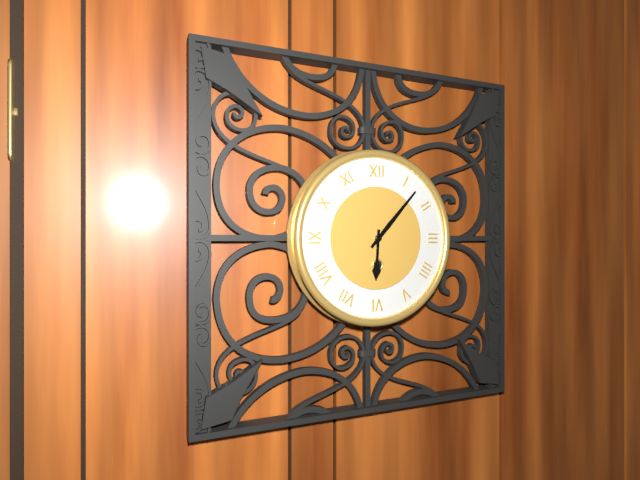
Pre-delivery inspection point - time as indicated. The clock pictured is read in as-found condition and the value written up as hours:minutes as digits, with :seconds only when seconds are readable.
6:07
